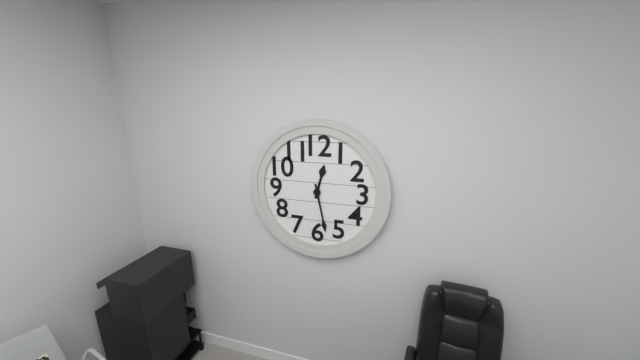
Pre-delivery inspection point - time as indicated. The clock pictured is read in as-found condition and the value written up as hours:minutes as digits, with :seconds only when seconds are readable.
12:28
